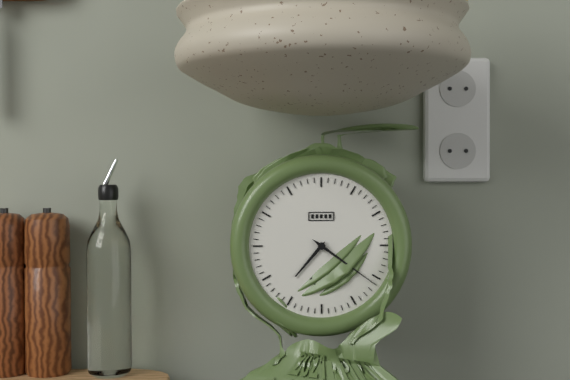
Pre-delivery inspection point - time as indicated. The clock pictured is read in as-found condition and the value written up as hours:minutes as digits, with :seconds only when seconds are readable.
7:21
